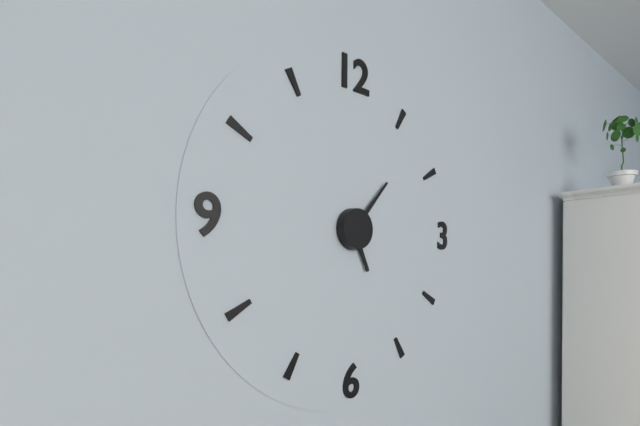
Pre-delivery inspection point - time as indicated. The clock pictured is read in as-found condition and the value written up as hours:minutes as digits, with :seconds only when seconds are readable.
5:07
